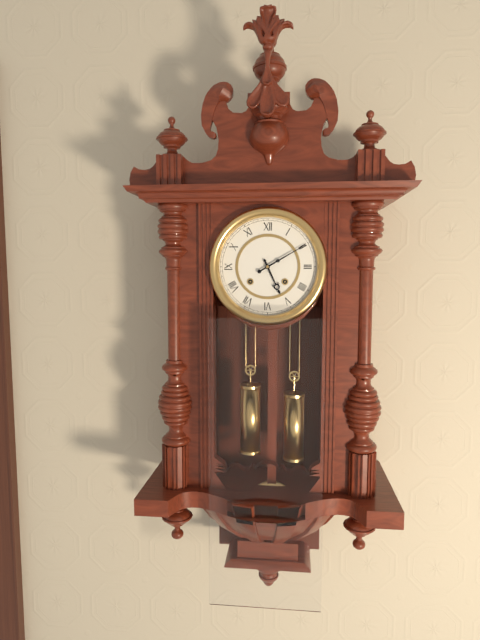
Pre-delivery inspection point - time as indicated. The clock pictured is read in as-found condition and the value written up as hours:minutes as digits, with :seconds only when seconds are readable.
5:10
